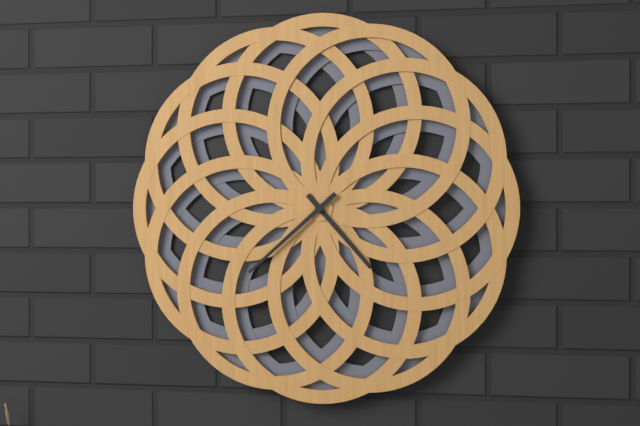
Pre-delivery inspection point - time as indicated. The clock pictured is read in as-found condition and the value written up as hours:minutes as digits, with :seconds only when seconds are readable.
4:38
